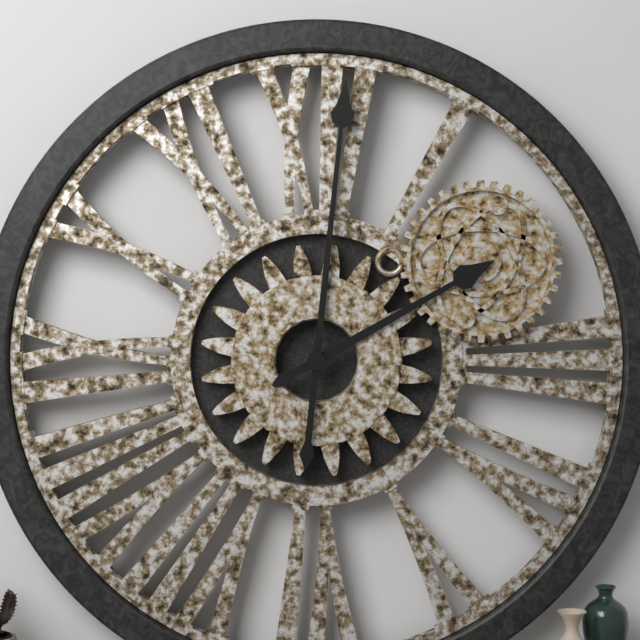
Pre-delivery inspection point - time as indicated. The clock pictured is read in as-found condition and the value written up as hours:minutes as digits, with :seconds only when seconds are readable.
2:01
